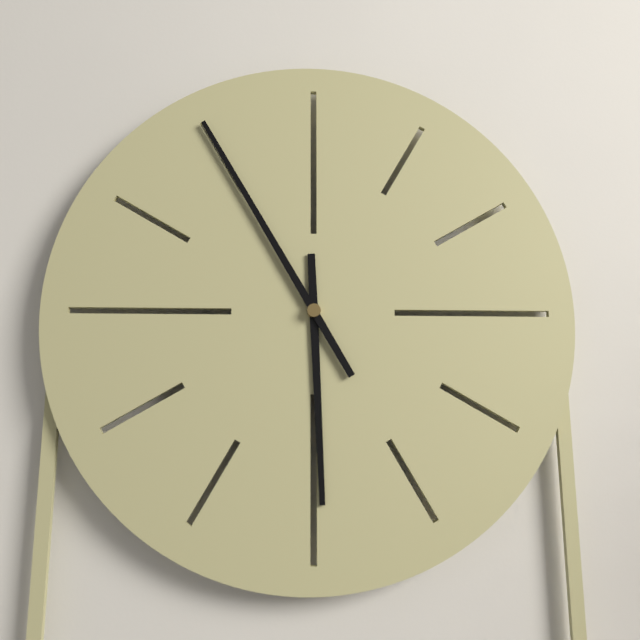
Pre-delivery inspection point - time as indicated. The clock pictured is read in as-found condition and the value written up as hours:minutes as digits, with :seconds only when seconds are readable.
5:55
